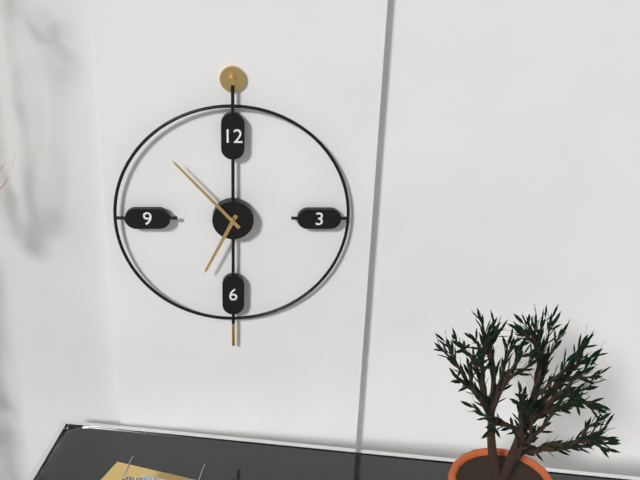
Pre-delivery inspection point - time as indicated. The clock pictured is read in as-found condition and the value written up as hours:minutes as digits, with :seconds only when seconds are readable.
6:53
